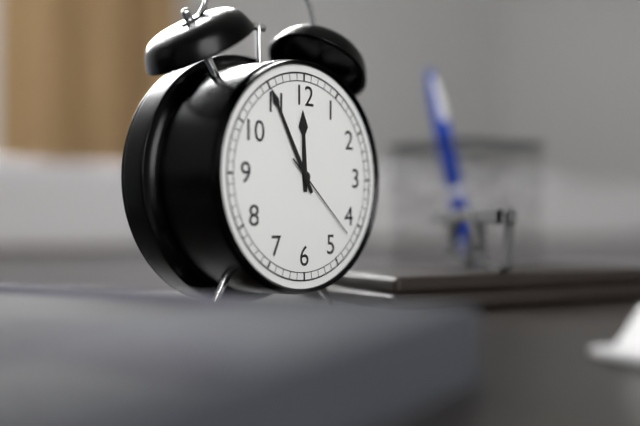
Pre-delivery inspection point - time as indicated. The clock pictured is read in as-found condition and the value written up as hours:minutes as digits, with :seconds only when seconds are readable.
11:55:22
